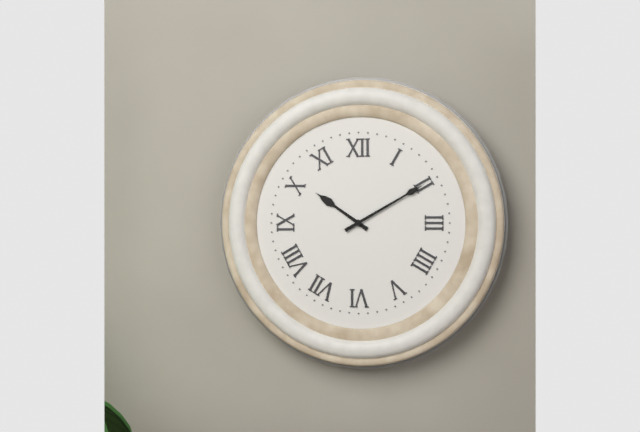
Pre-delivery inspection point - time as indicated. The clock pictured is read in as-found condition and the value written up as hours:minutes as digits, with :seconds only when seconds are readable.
10:10
